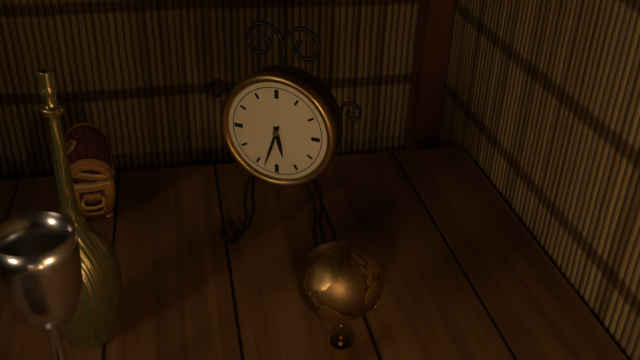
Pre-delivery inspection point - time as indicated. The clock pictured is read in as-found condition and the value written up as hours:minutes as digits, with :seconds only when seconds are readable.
5:33
